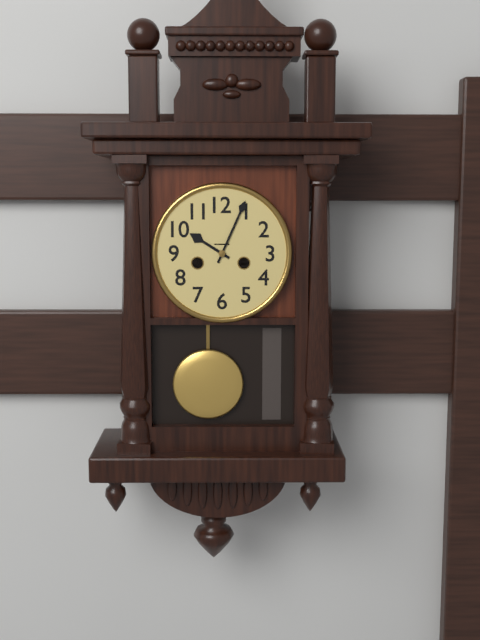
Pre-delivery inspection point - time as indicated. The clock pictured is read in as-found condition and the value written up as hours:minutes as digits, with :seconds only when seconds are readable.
10:04
